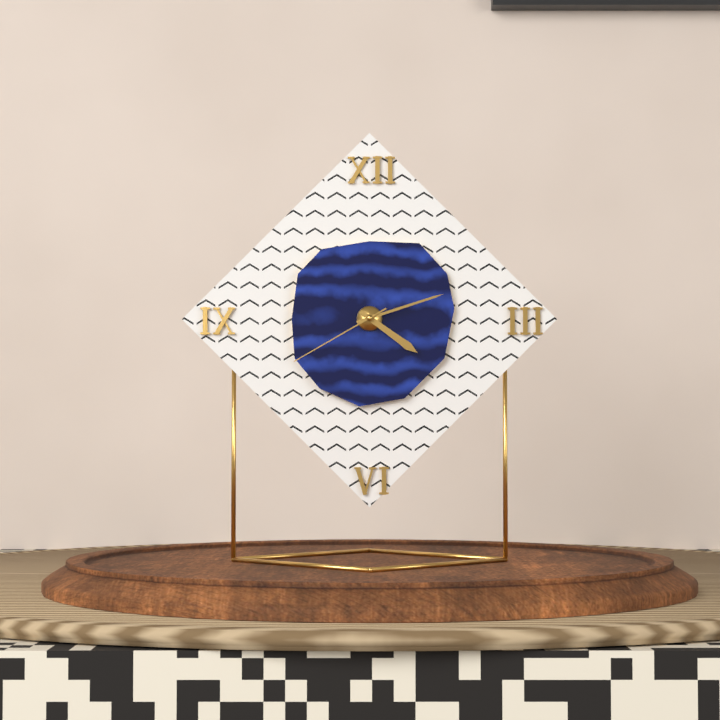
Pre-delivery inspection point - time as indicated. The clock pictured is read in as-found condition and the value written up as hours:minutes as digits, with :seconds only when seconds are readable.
4:12:40
